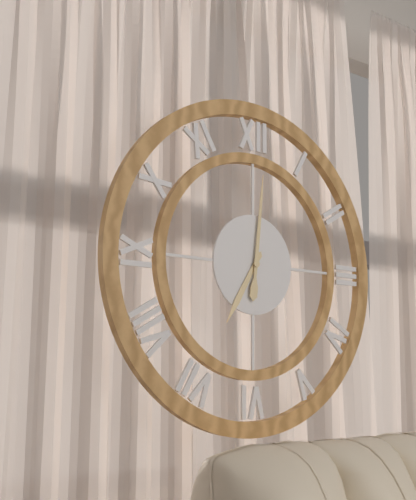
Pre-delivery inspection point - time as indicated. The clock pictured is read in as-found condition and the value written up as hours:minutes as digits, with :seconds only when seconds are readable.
7:01
